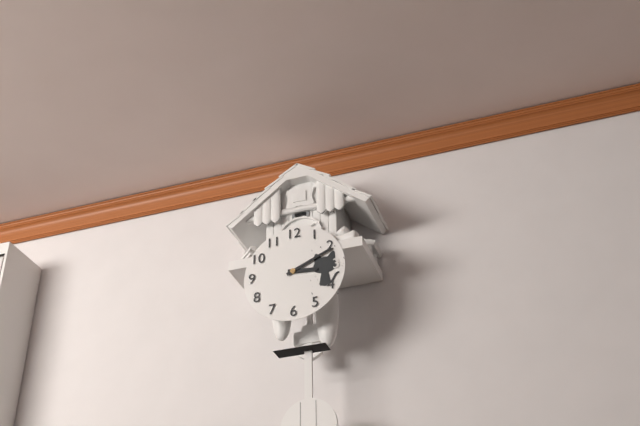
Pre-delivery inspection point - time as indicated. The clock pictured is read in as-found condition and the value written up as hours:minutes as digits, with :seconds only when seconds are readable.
3:11
